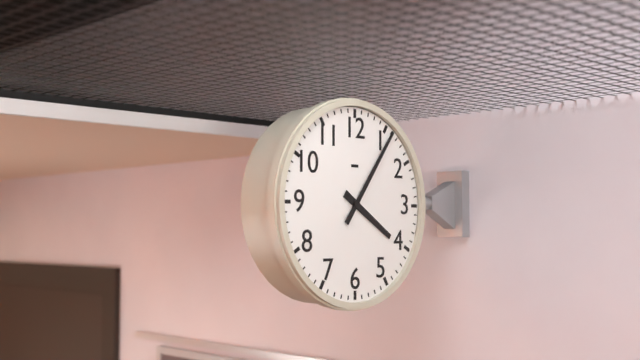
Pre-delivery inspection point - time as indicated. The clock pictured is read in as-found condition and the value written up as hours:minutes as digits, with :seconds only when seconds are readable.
4:06
